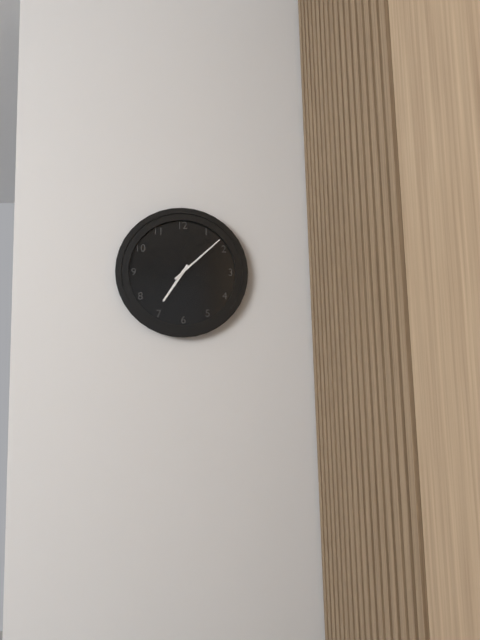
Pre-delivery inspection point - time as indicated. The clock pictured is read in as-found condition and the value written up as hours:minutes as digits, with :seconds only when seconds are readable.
7:08
